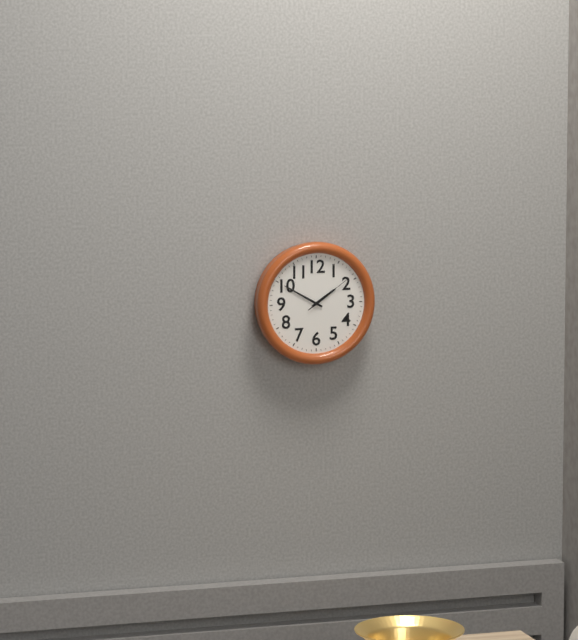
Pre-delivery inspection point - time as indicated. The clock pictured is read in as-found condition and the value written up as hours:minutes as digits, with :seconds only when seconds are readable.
1:50:09
